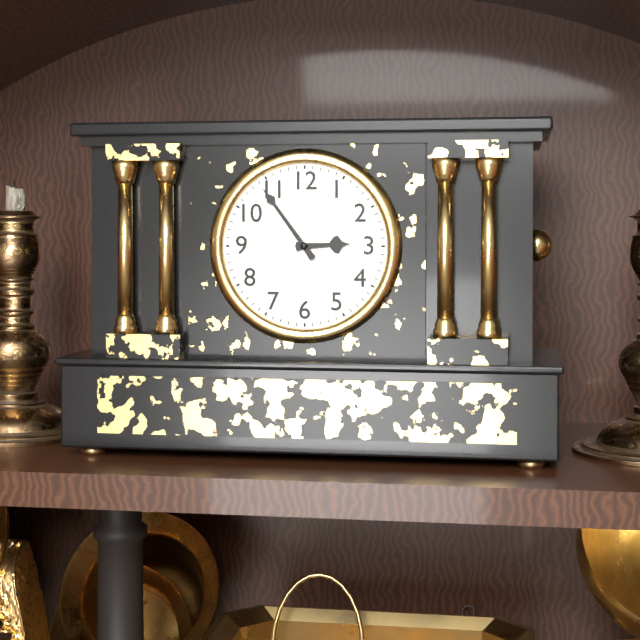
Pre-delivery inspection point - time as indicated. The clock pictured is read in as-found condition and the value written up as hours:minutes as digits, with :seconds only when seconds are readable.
2:54
